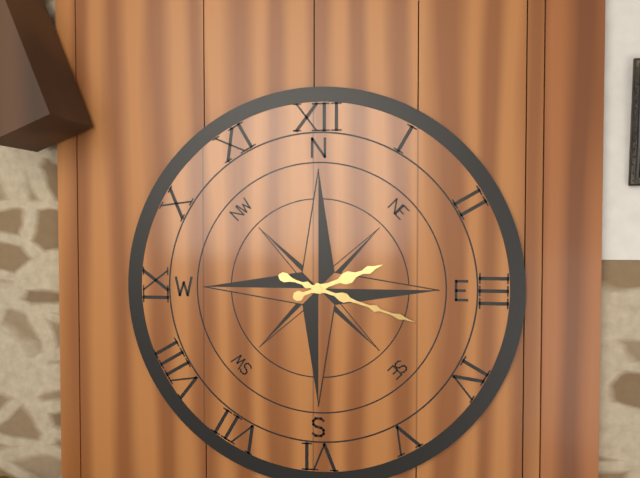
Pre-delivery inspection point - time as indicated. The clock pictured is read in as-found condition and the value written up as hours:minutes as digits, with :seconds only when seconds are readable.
2:18
